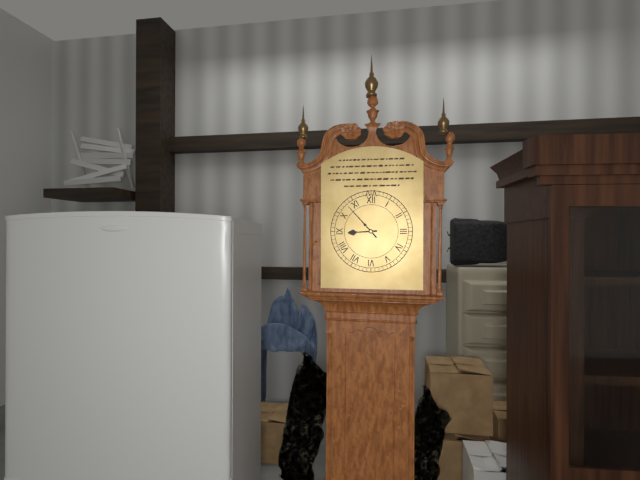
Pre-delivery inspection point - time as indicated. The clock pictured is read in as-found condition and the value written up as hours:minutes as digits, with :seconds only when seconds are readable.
8:53
